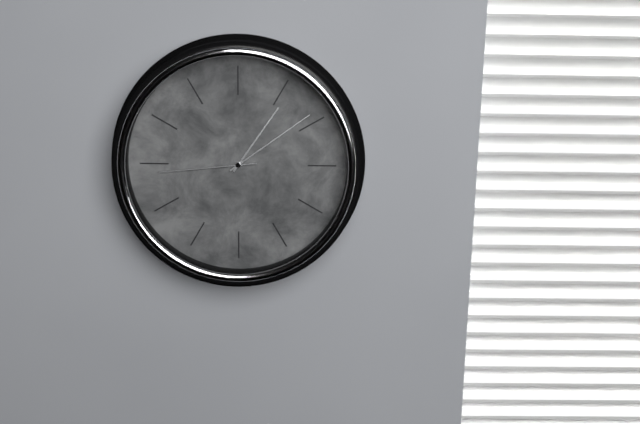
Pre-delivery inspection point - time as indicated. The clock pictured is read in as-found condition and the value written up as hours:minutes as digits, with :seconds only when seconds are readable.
1:09:44
